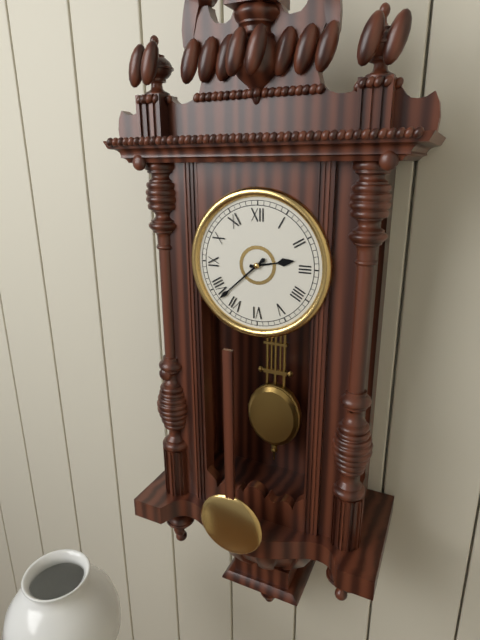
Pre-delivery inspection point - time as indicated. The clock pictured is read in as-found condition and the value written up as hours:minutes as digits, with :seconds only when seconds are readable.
2:38
